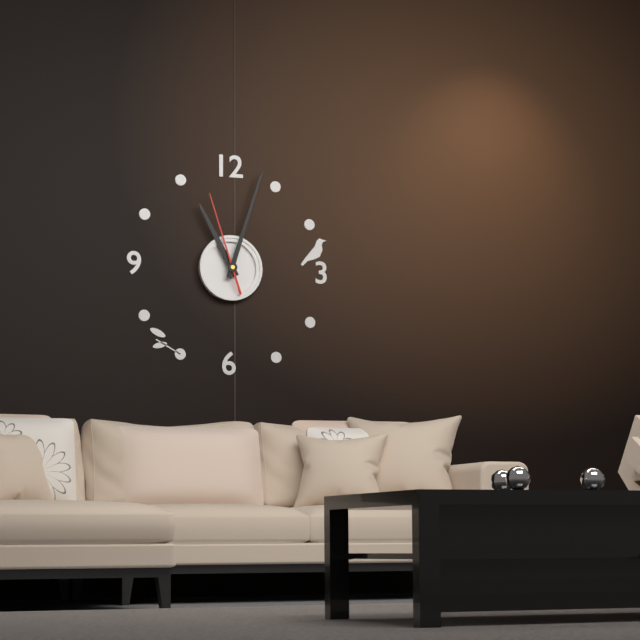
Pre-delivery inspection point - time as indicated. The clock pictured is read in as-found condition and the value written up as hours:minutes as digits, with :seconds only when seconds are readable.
11:03:57
